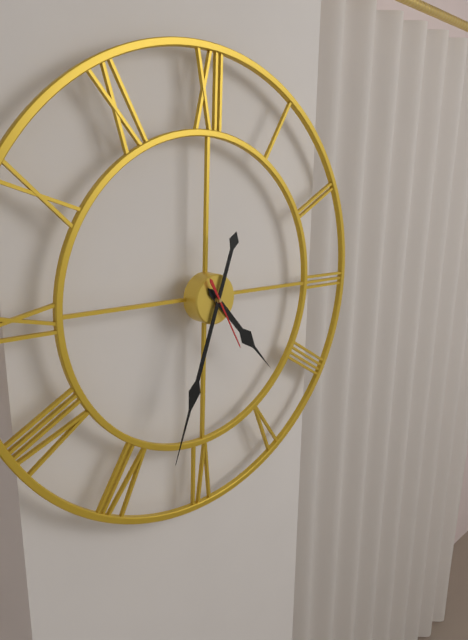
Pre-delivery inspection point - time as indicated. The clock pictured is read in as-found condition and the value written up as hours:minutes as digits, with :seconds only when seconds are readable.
4:33:25
